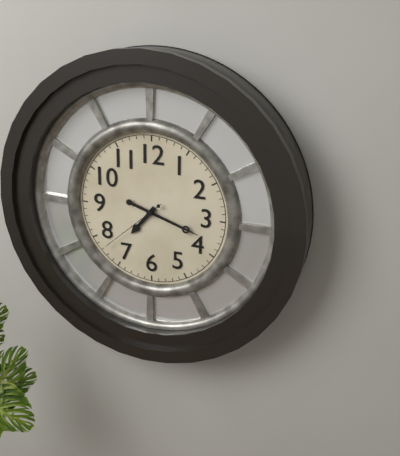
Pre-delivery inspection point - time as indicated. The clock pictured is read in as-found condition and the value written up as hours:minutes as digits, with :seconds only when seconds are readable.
7:18:38
